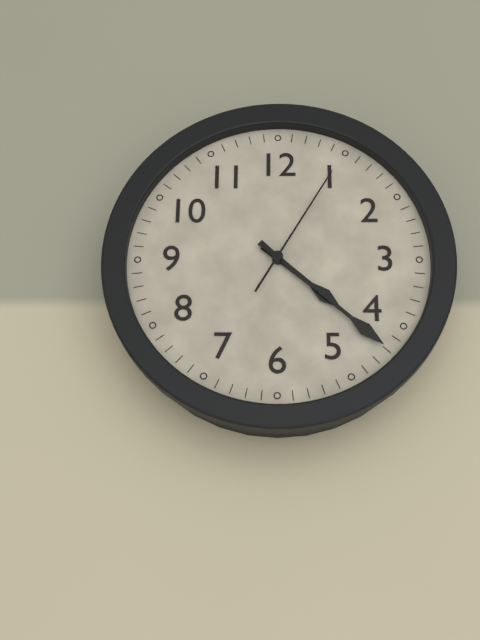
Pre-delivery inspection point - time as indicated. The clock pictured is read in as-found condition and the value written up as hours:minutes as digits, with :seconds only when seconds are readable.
4:22:05
